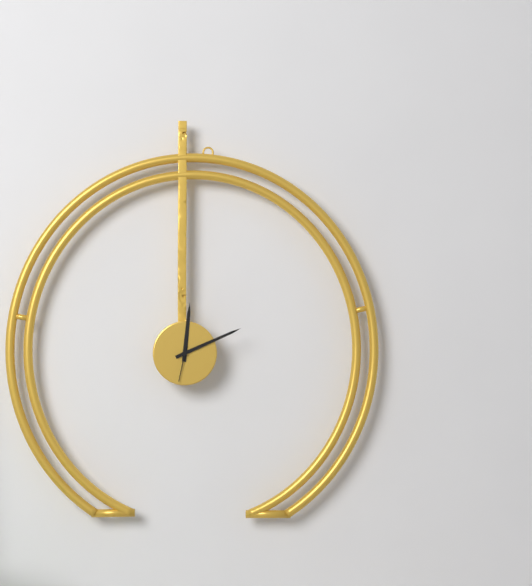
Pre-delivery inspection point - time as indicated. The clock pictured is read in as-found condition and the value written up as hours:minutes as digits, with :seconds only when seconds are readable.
12:11
